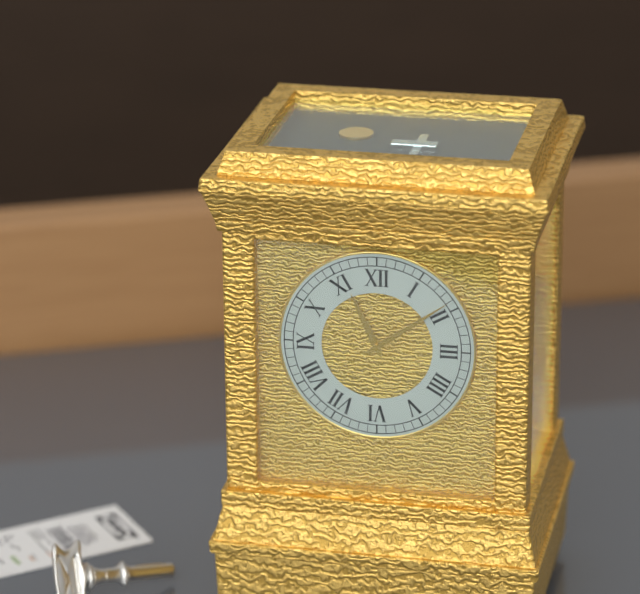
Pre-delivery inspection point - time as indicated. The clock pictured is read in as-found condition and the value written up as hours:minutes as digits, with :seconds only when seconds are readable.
11:09
